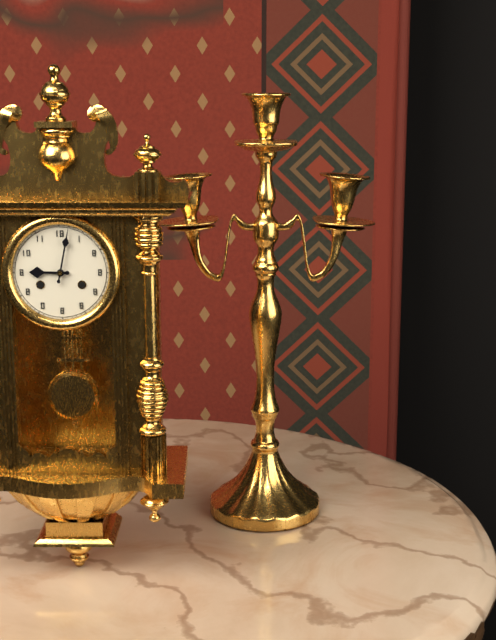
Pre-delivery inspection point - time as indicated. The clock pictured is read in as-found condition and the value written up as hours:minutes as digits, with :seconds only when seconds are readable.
9:02
